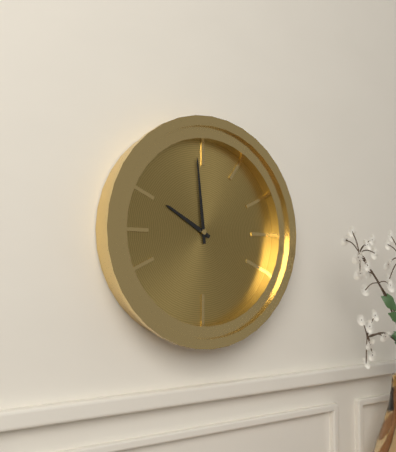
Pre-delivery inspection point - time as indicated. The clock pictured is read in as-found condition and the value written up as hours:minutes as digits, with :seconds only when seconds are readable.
9:59
